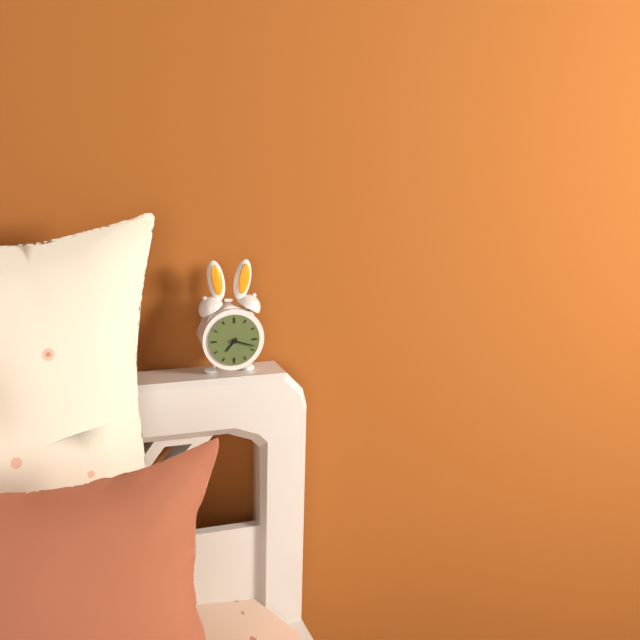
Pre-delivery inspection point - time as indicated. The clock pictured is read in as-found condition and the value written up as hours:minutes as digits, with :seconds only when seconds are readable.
7:18
